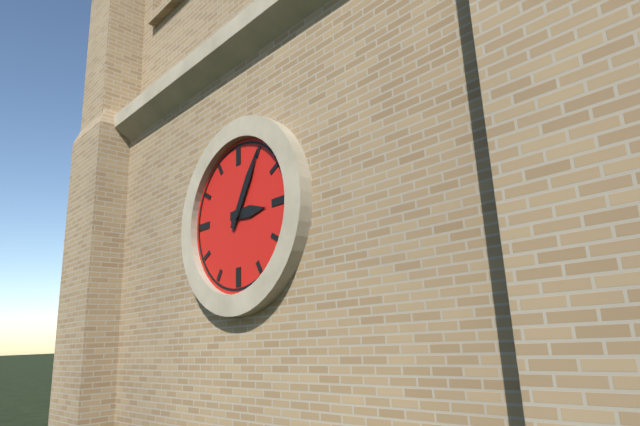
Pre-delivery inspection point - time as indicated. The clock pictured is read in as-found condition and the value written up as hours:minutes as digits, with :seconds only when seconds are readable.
3:05
